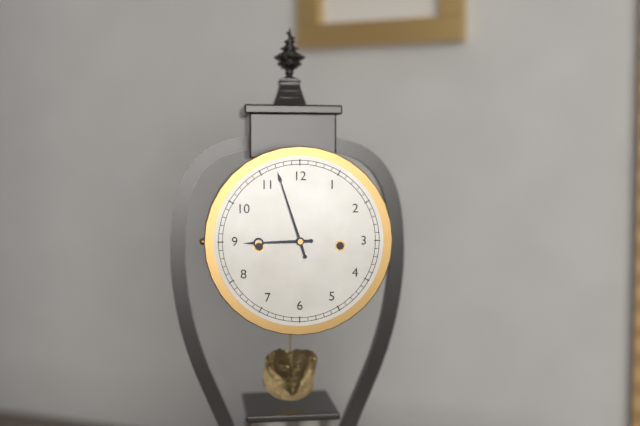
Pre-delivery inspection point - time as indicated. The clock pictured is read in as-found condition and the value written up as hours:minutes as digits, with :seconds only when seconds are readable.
8:57
